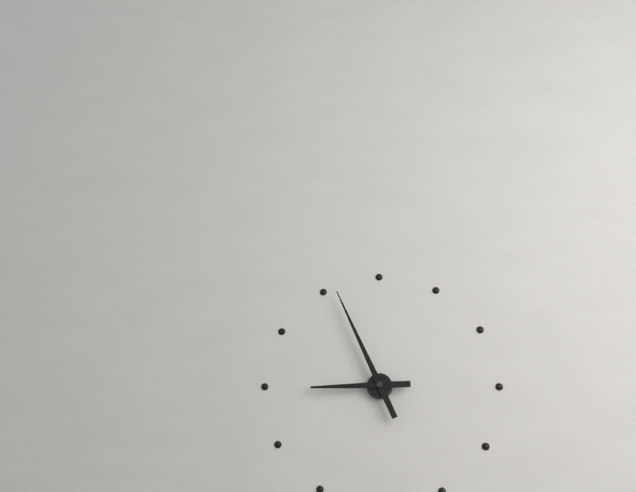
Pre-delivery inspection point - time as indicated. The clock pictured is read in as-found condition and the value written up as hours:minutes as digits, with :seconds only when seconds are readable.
8:56
